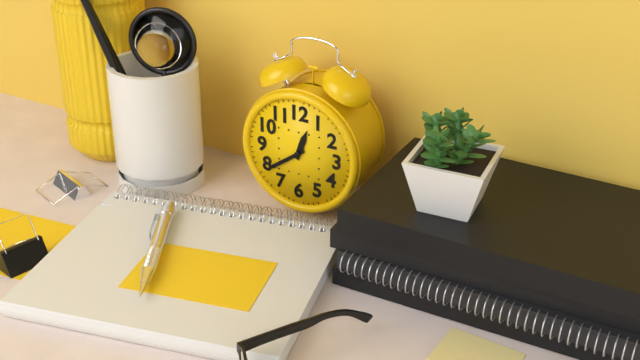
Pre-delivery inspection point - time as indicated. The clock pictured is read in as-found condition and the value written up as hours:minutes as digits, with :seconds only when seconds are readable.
12:39
